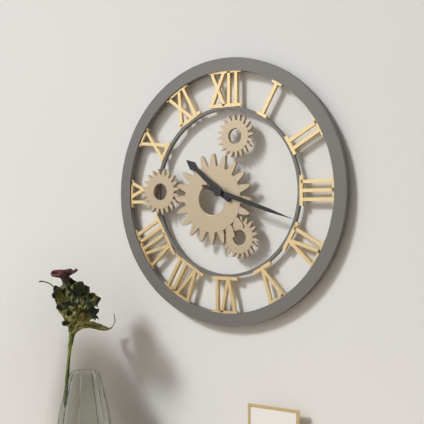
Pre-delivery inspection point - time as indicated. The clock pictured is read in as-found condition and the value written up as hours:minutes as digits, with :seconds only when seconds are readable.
10:18
